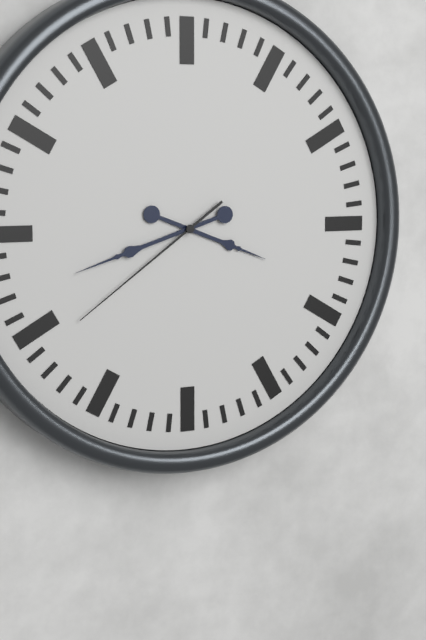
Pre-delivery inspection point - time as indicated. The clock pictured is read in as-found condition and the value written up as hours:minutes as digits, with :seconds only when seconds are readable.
3:42:39
